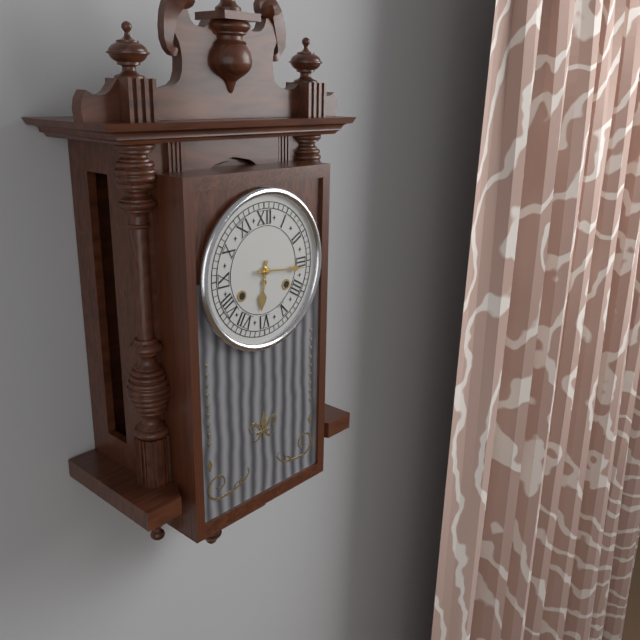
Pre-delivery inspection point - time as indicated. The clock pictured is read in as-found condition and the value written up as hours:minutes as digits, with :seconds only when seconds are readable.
6:16
